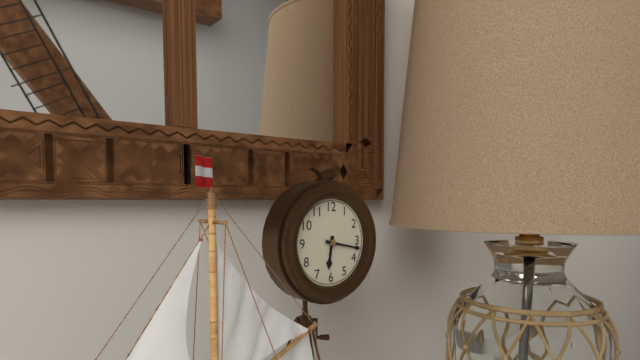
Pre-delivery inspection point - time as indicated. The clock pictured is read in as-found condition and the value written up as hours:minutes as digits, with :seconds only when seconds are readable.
6:17
